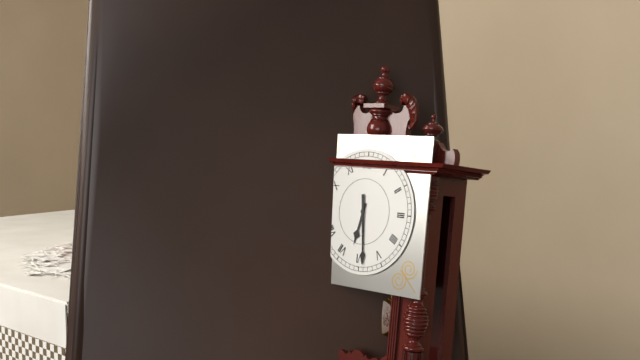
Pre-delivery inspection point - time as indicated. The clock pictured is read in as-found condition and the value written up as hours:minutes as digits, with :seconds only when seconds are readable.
6:29
